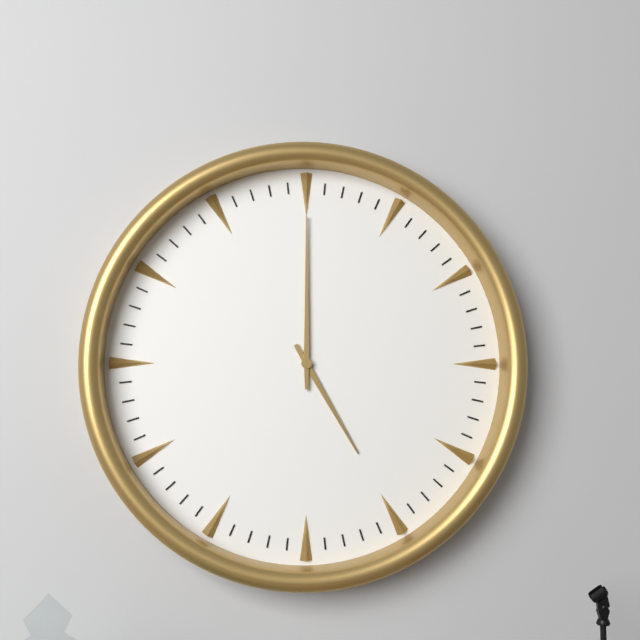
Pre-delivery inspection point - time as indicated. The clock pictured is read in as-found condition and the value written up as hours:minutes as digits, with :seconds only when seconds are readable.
5:00
